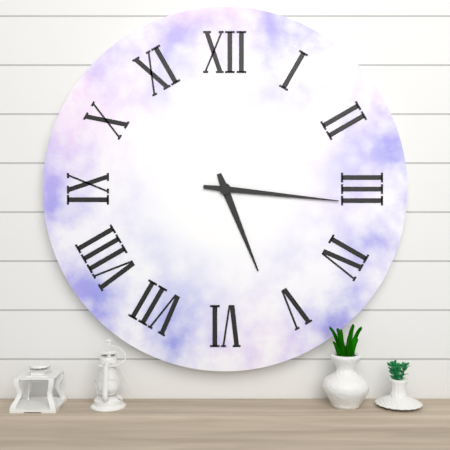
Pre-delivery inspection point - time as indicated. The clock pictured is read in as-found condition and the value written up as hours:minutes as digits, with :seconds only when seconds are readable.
5:16
